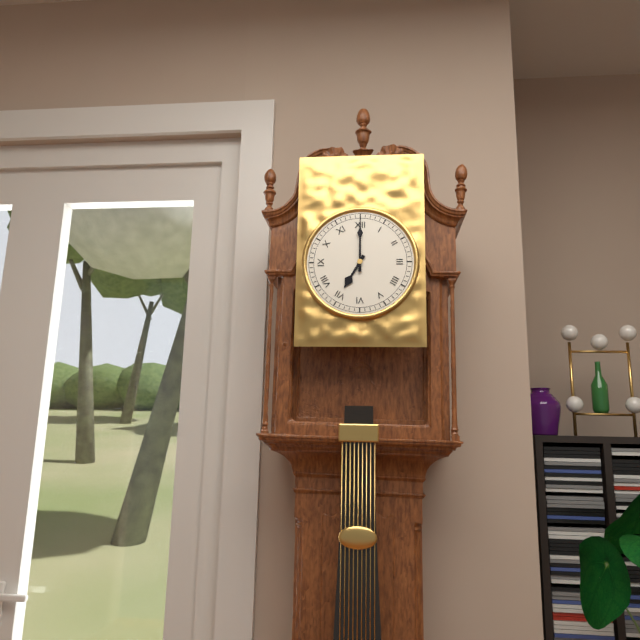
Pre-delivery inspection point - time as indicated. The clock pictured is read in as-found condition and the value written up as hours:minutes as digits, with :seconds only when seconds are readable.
7:00
